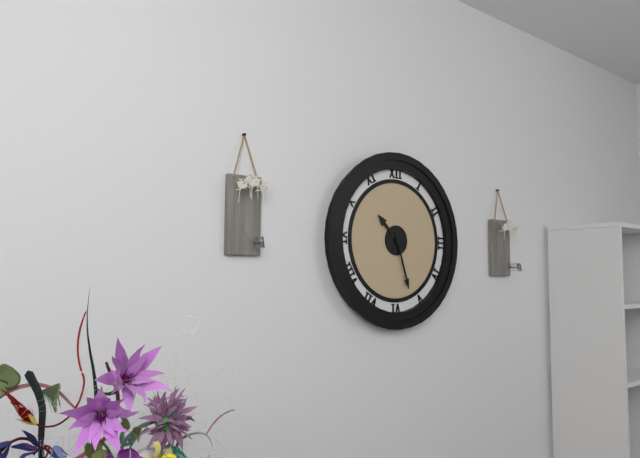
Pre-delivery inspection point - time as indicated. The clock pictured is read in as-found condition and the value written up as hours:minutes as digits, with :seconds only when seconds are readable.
10:27
